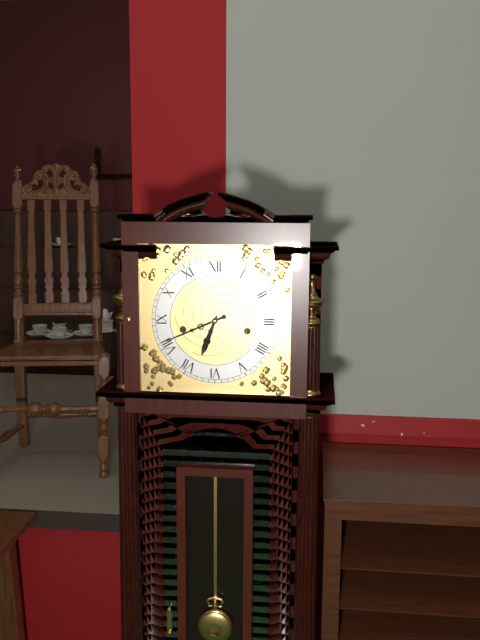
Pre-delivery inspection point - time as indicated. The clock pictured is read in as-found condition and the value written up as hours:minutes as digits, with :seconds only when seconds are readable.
6:41
